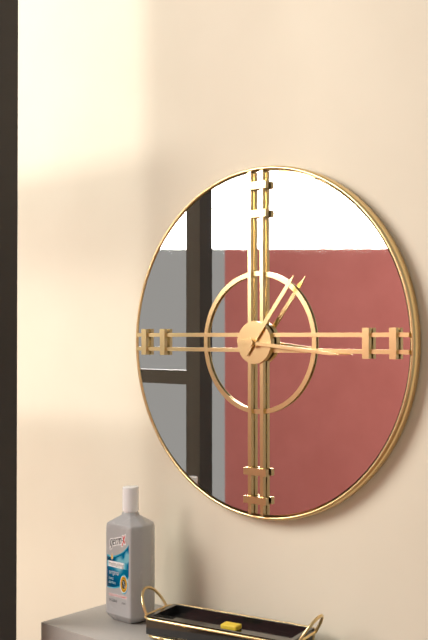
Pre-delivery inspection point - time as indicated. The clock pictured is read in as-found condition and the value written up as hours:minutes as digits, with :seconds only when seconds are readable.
1:16
